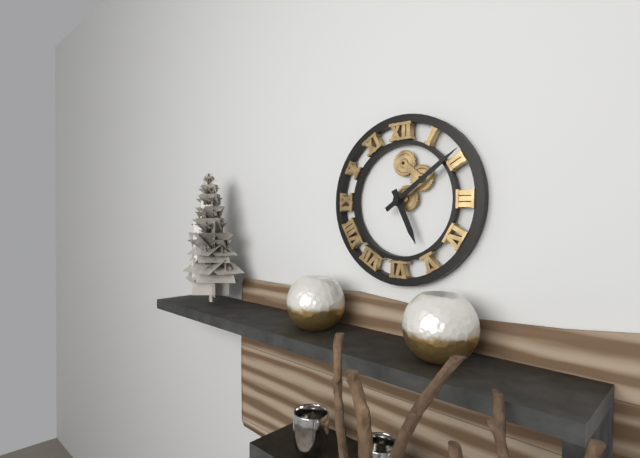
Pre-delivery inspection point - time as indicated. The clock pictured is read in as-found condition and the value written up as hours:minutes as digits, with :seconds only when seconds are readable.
5:09
